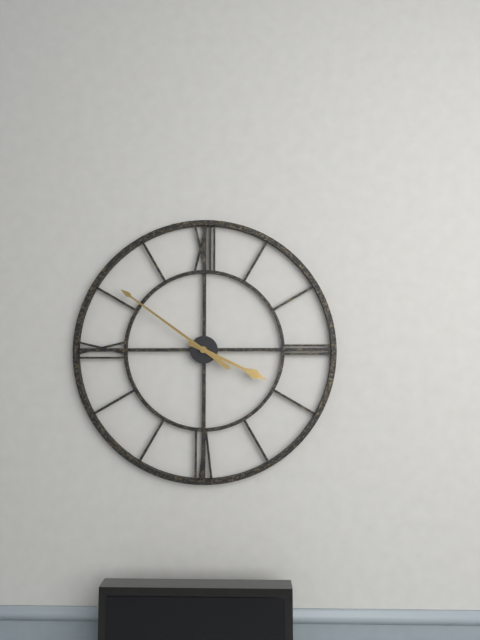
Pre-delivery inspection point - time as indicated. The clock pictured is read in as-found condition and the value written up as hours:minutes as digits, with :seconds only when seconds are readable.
3:51
